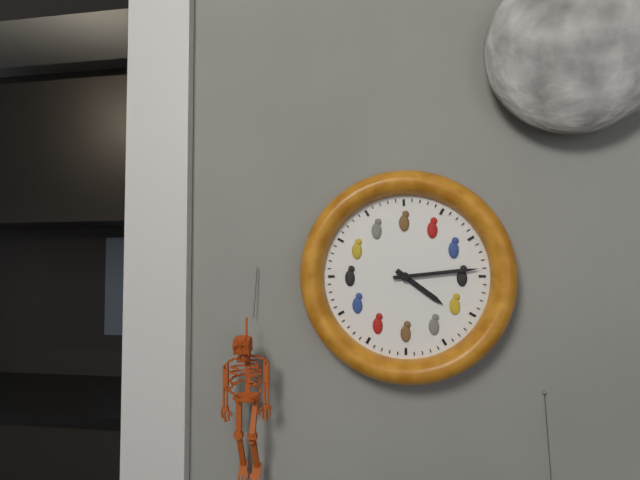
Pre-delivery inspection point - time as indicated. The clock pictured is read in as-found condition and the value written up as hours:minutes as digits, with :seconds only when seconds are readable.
4:14
